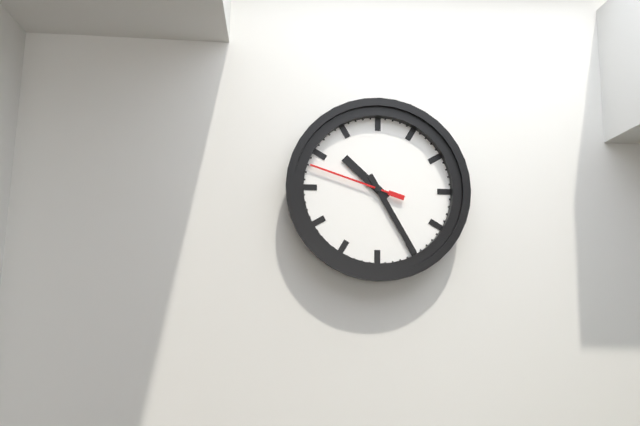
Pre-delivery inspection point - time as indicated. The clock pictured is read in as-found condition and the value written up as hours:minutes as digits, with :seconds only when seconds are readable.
10:25:48
